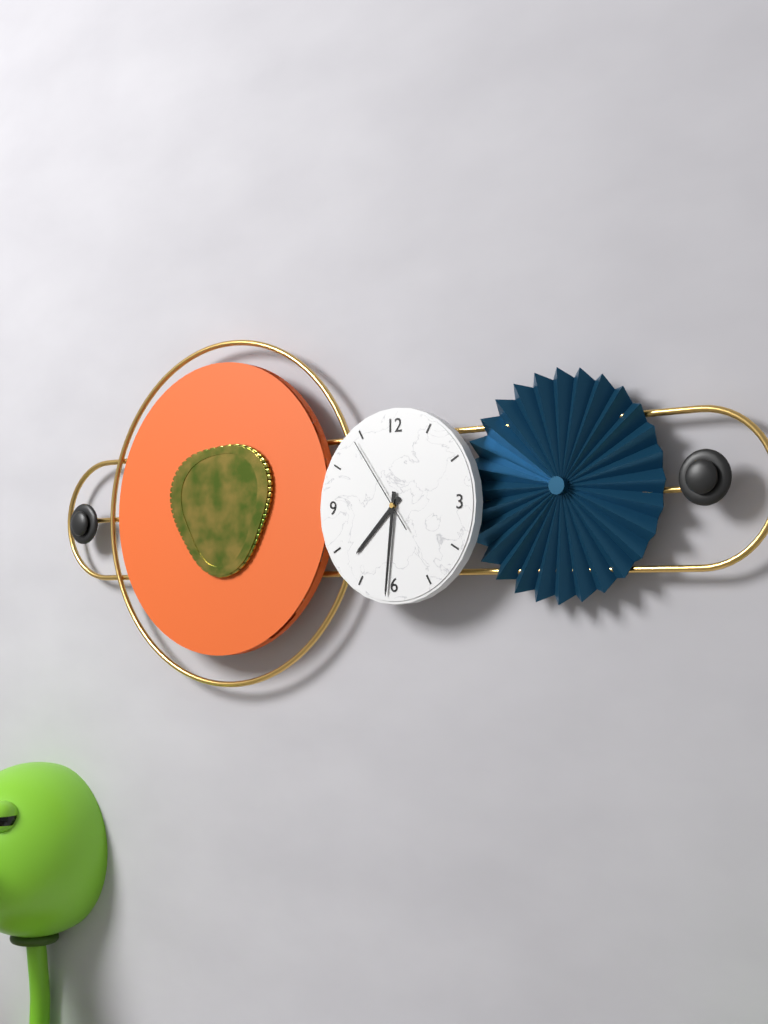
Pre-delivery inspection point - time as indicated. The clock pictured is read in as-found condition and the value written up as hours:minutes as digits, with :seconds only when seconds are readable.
7:31:54
